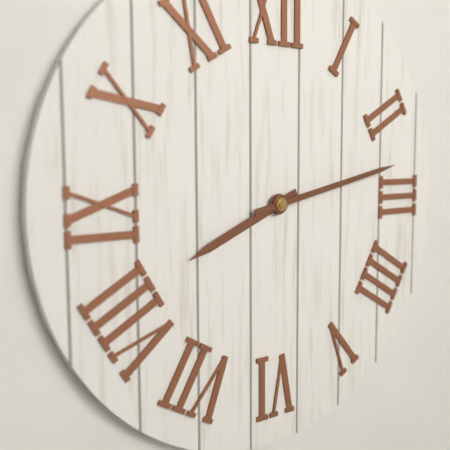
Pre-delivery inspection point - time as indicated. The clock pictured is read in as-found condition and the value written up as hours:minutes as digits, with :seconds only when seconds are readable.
8:13
